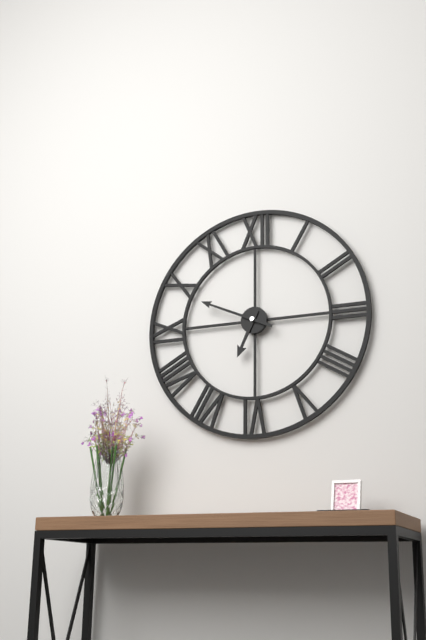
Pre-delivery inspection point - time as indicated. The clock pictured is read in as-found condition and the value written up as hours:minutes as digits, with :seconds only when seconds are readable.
6:49
